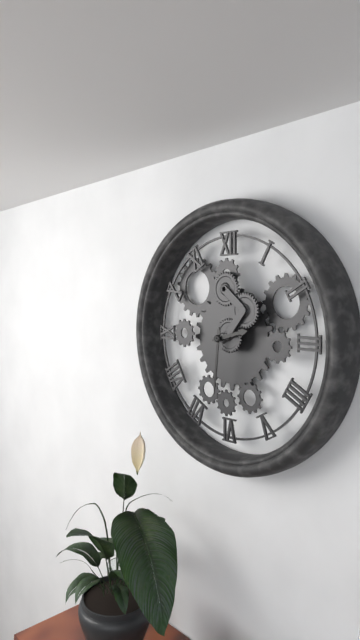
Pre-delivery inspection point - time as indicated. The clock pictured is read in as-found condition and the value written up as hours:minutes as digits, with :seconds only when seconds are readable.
2:31
